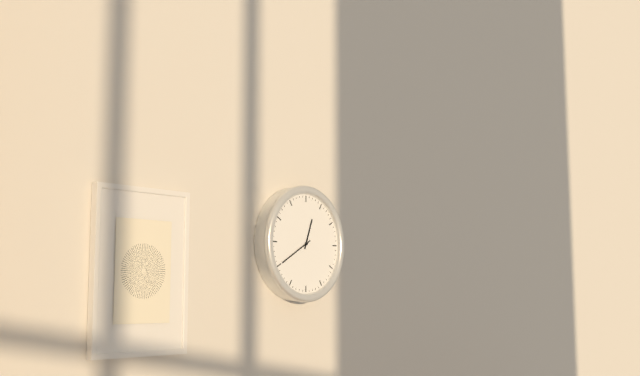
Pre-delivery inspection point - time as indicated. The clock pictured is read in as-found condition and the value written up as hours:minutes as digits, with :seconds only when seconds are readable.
12:40
